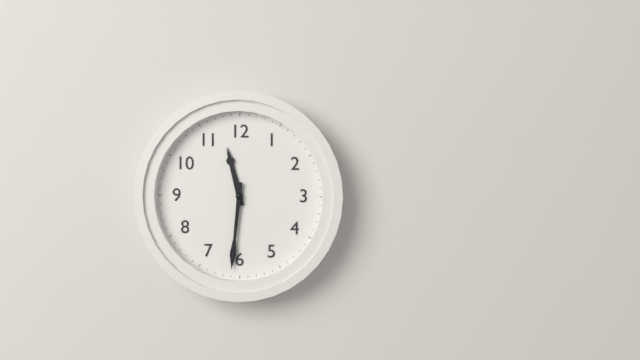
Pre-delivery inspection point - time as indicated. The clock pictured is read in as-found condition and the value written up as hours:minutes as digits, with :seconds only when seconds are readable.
11:31
